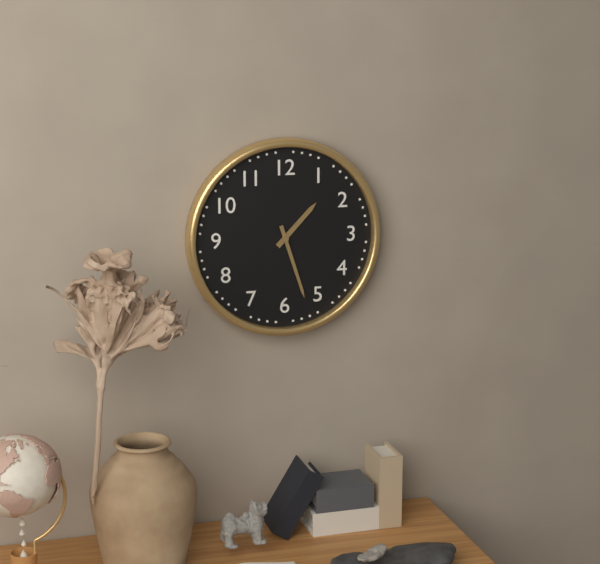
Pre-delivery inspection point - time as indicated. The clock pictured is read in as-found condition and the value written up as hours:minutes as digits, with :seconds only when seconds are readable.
1:27
